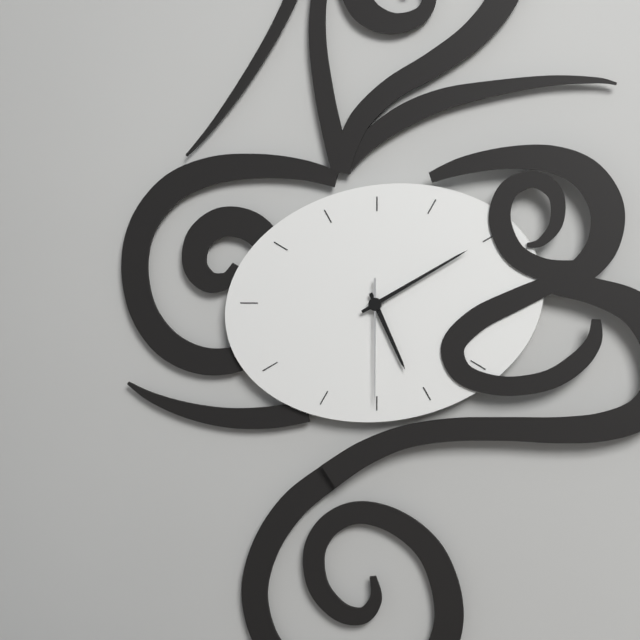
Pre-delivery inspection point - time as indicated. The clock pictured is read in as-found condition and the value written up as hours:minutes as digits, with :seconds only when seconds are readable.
5:10:30
